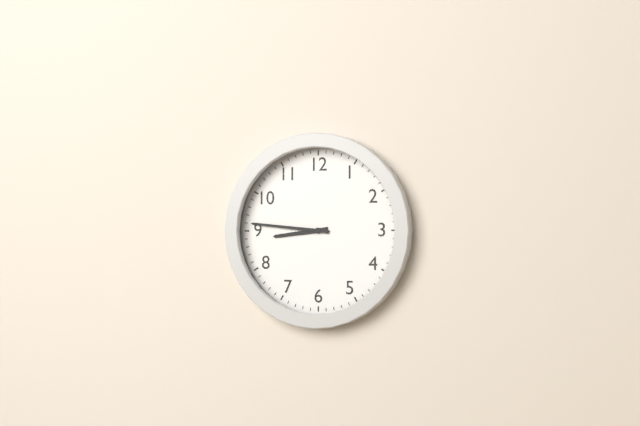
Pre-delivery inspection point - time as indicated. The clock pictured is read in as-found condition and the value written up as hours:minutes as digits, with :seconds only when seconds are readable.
8:46
